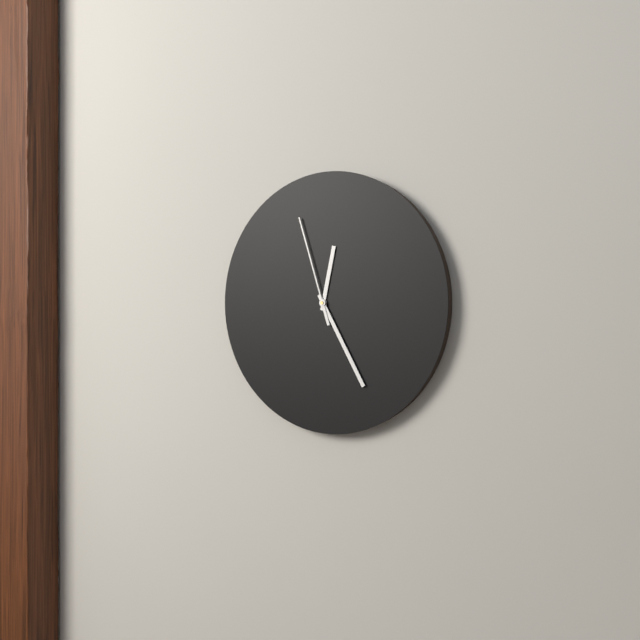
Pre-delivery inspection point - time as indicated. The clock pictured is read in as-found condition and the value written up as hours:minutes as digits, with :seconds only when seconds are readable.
12:25:57
